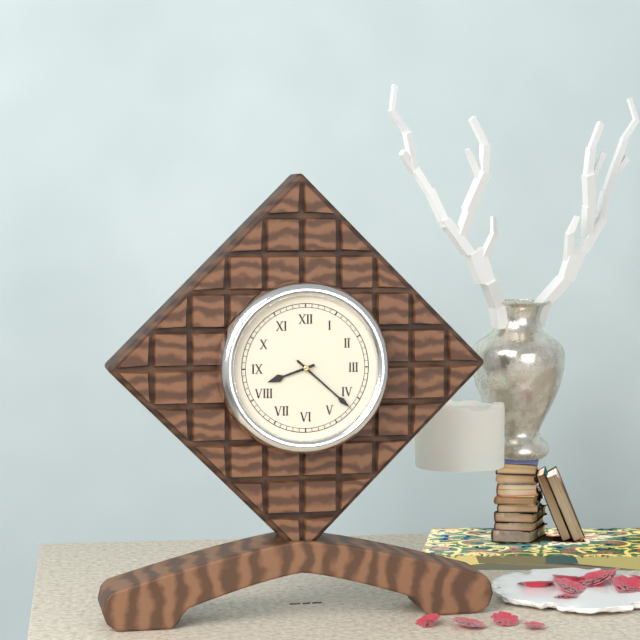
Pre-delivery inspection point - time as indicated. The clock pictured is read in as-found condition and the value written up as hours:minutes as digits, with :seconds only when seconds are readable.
8:22
